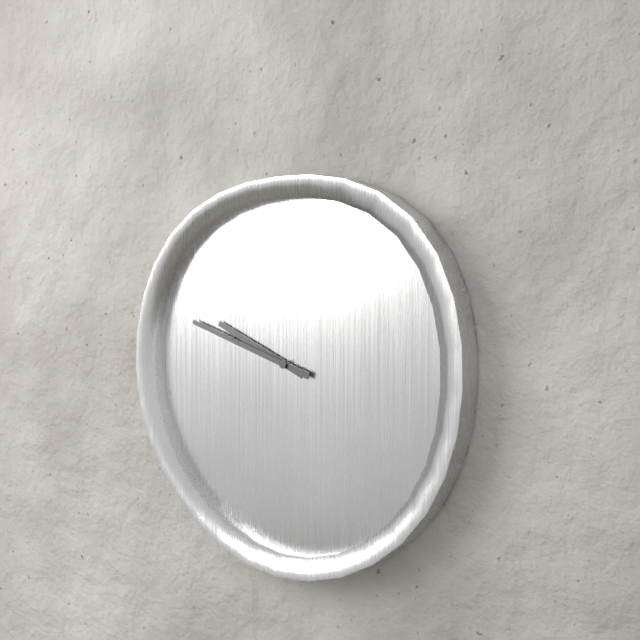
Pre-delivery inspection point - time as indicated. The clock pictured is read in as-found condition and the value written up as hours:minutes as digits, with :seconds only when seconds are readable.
9:48
